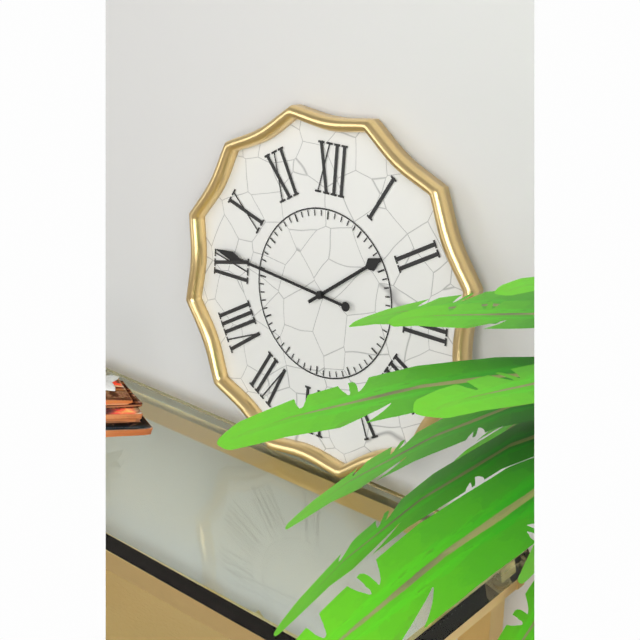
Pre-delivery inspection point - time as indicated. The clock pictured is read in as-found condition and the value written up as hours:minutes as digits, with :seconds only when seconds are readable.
1:46
